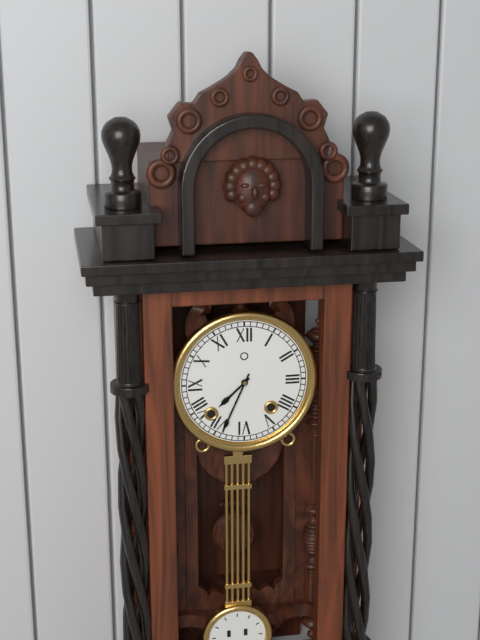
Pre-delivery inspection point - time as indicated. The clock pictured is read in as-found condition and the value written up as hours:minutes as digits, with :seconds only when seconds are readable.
7:34
